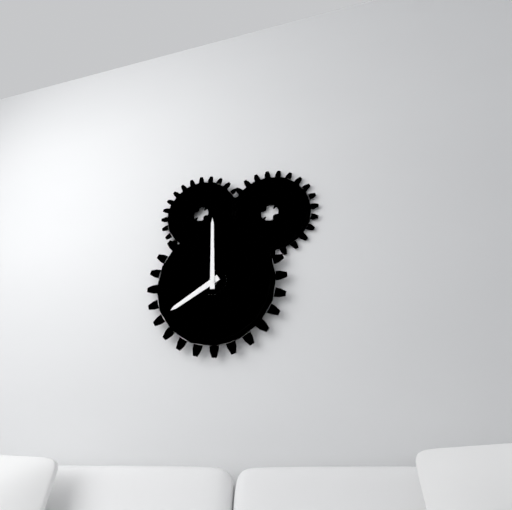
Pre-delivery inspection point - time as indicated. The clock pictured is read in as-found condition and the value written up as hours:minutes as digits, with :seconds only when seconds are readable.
8:00
